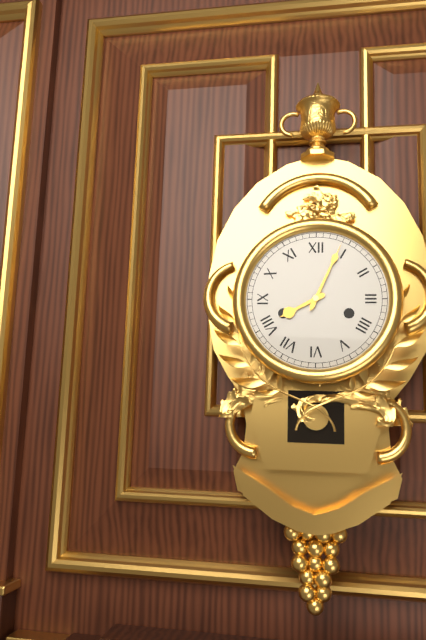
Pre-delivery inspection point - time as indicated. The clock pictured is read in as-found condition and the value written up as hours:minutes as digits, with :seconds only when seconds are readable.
8:04
